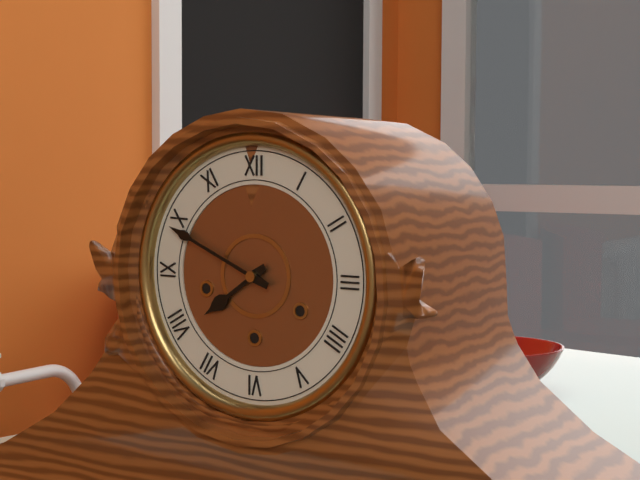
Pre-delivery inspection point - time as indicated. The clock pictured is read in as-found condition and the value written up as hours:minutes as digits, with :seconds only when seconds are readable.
7:49
